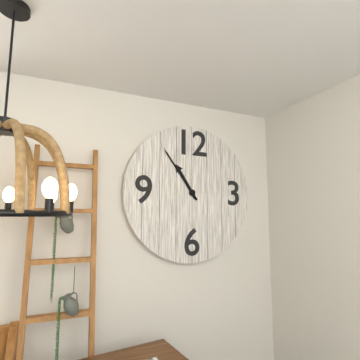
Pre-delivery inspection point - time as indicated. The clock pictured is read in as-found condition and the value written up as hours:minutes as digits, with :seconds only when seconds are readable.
10:54
